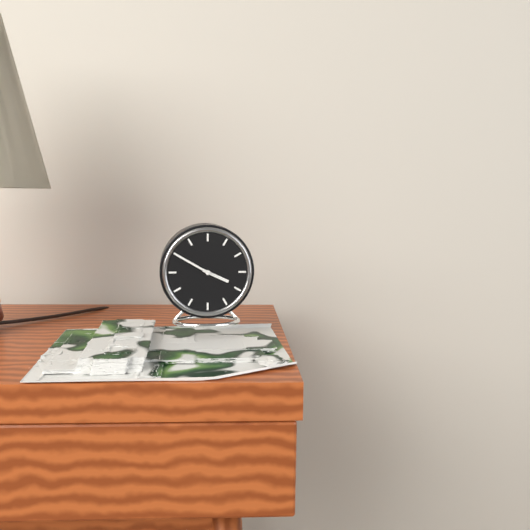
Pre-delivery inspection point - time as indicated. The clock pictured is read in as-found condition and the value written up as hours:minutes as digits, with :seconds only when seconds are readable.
3:50
